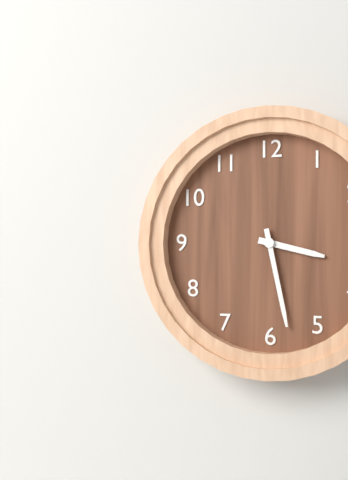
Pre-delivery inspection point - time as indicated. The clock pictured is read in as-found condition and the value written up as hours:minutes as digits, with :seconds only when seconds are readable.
3:28
